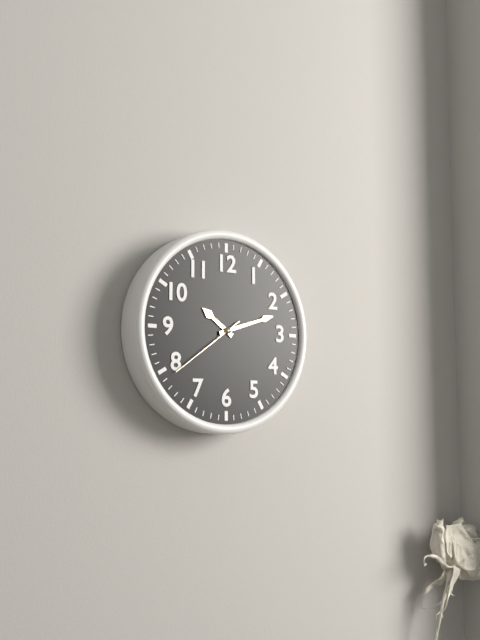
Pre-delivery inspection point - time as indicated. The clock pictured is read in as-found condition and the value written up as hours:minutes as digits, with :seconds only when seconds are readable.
10:12:39
